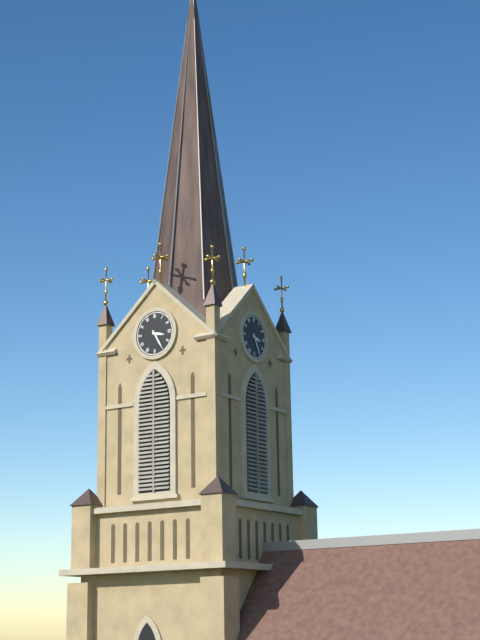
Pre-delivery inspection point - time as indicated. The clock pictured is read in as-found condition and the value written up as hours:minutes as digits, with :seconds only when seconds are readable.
3:25
